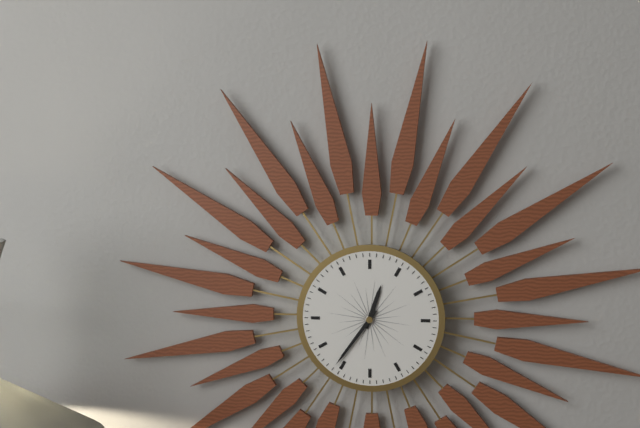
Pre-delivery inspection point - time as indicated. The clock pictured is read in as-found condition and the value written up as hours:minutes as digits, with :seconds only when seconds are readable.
12:36
